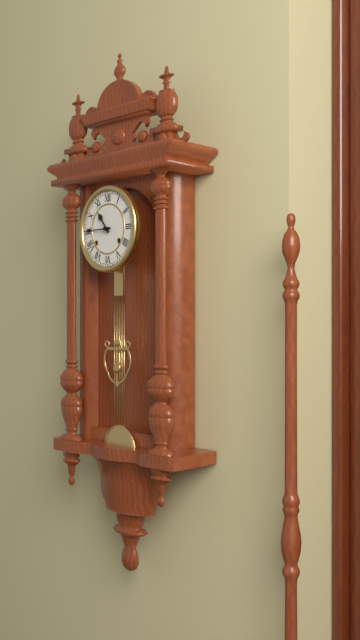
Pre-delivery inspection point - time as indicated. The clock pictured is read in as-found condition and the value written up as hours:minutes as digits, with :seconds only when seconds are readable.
10:45
